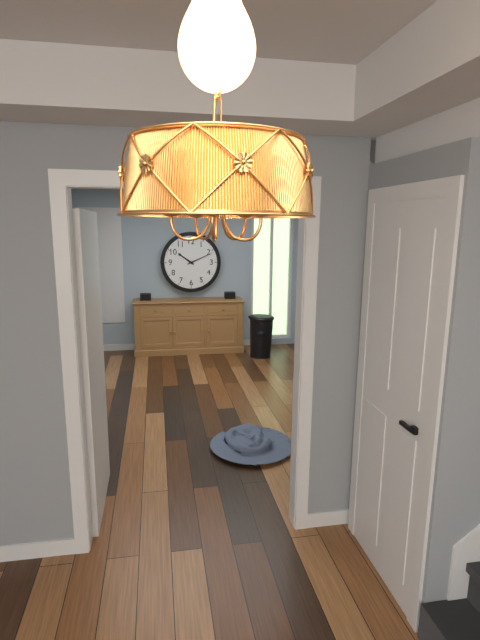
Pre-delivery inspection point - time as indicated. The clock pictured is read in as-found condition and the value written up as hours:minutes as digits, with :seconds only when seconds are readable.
10:11
